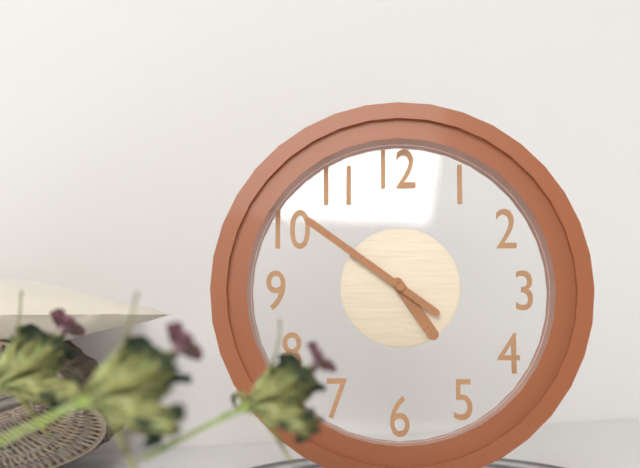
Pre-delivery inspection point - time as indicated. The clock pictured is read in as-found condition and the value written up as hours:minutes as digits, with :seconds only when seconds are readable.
4:51
